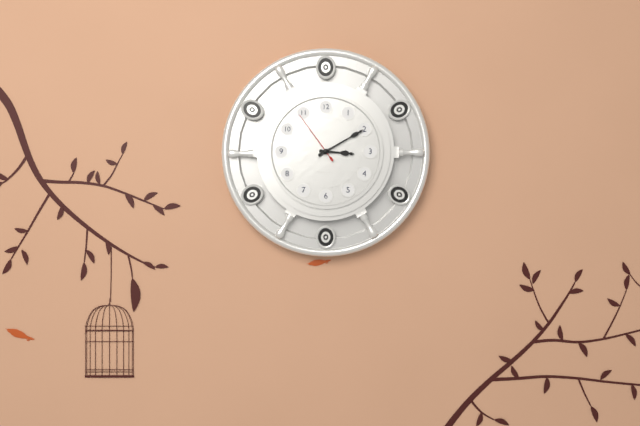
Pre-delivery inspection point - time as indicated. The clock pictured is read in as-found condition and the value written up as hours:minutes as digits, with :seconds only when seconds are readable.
3:10:54
